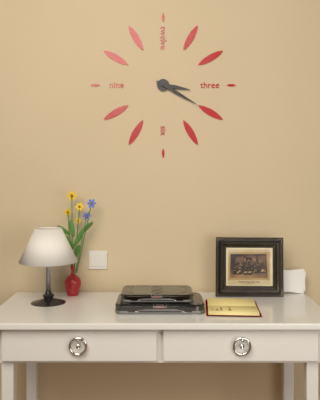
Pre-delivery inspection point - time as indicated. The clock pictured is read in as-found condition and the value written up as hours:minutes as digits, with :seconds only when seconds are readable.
3:20
